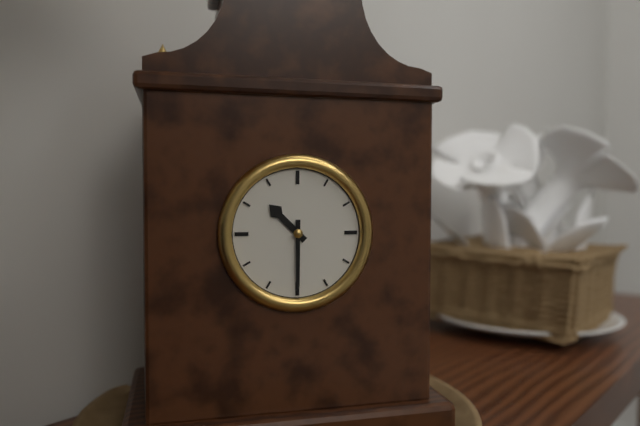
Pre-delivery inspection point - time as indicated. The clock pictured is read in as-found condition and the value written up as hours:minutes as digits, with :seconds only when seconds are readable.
10:30
